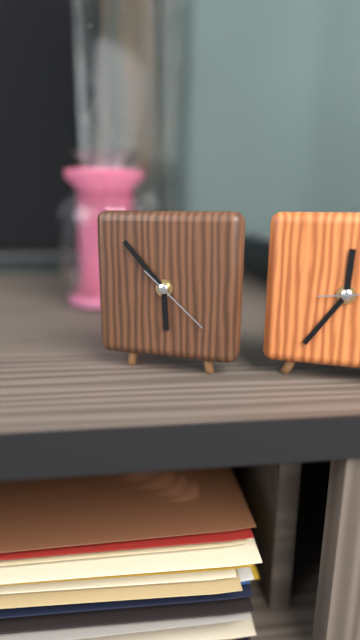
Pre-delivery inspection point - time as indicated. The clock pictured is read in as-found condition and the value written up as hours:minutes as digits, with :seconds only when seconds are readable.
5:53:22
